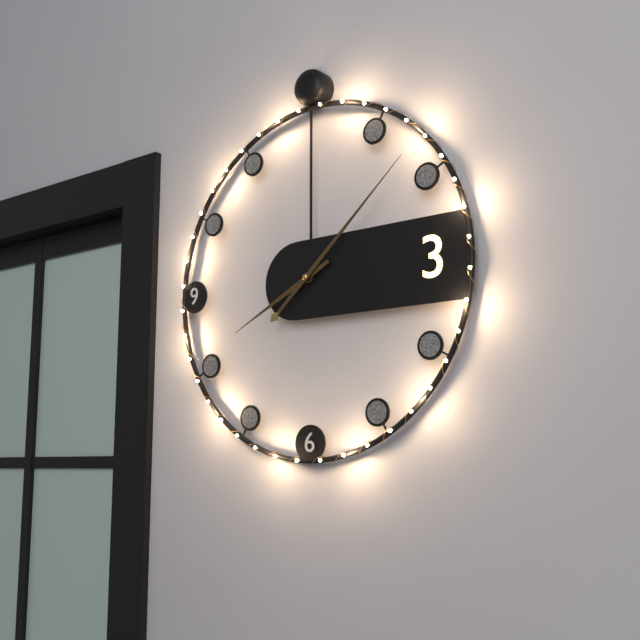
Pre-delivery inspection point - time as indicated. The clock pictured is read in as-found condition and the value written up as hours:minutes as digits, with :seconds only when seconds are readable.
8:08
